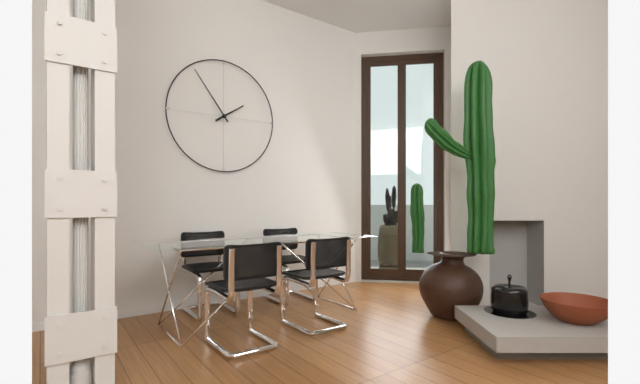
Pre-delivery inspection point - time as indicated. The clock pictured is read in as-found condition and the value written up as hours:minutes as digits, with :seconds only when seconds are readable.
1:54
